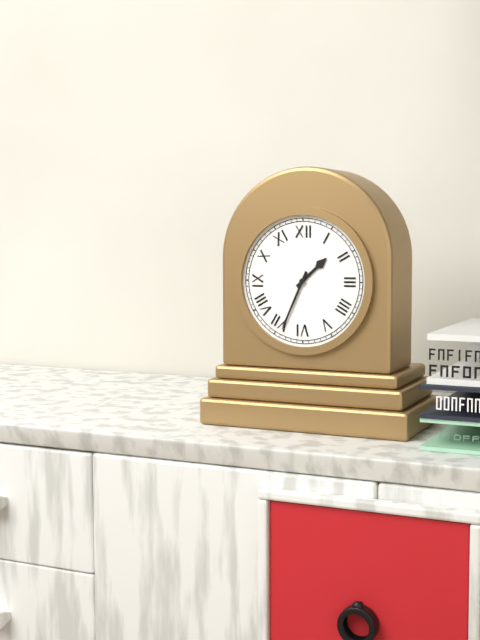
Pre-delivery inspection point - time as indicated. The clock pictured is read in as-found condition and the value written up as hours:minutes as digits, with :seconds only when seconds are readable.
1:34
